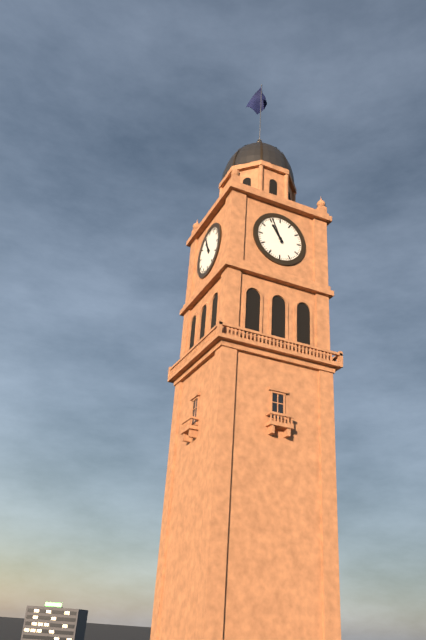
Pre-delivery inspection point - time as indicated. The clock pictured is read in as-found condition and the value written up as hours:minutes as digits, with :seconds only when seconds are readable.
10:56
